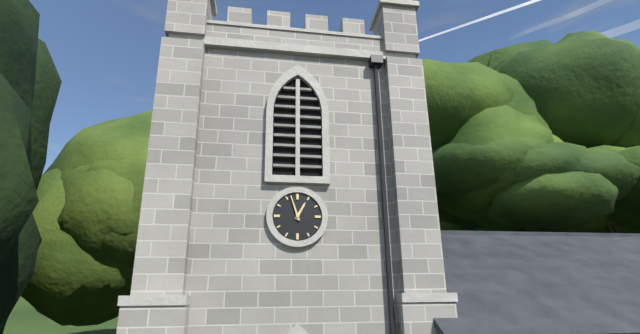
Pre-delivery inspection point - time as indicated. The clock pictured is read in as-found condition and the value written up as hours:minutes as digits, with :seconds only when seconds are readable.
12:57
